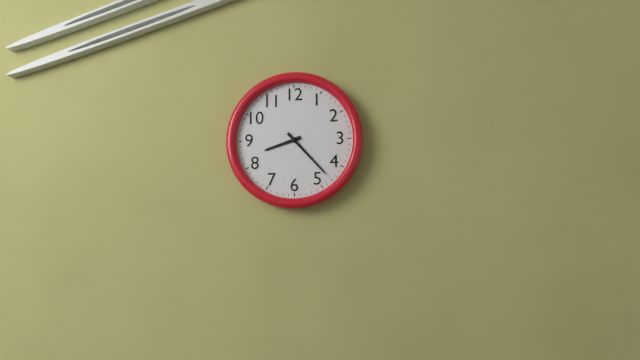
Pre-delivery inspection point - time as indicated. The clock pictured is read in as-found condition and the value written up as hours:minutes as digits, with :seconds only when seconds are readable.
8:23
